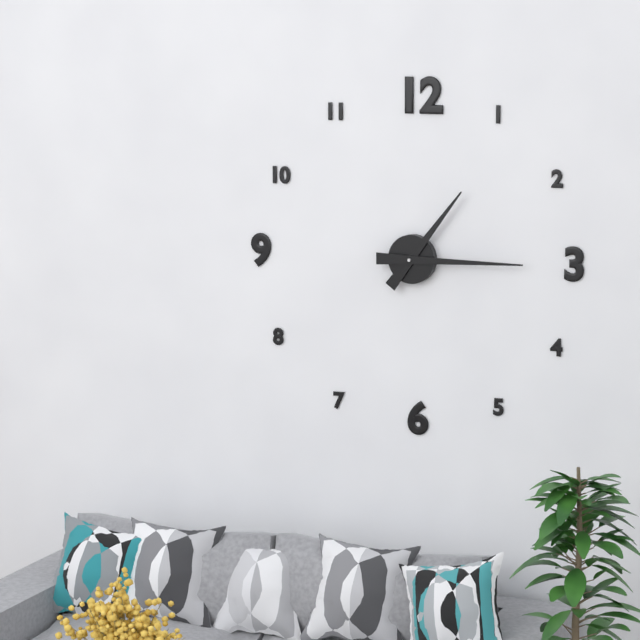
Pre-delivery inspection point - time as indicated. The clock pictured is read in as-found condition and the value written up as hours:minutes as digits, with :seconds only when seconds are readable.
1:15
